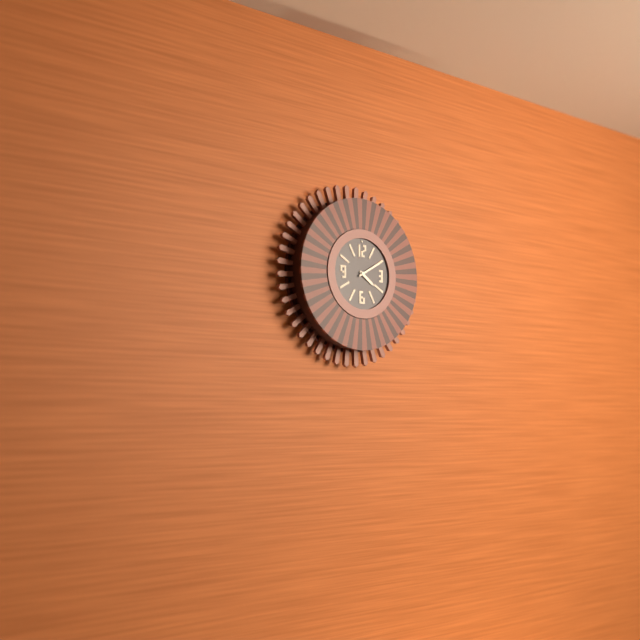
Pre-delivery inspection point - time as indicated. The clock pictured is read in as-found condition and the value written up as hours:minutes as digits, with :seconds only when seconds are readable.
4:10
